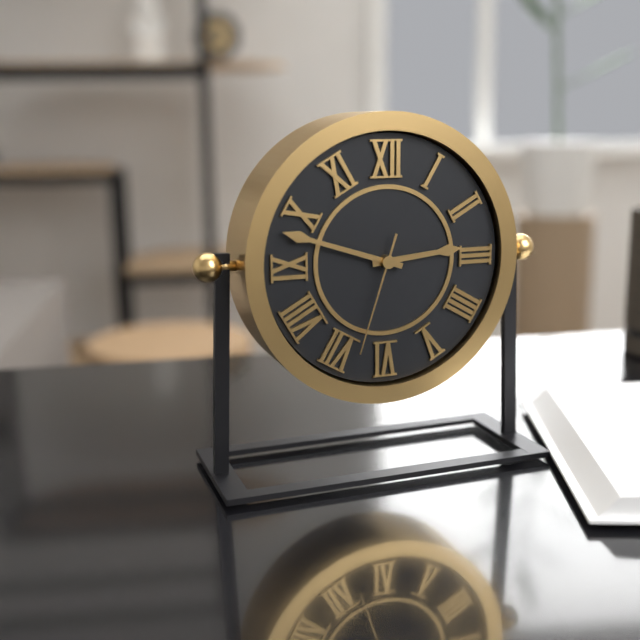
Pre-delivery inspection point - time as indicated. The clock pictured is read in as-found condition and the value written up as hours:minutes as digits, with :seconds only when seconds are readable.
2:48:33
